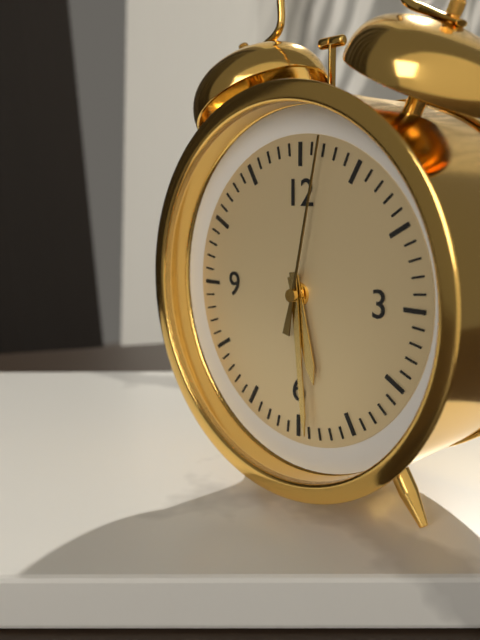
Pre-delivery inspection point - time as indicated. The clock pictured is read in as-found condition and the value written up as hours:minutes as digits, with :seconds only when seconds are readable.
5:29:02
